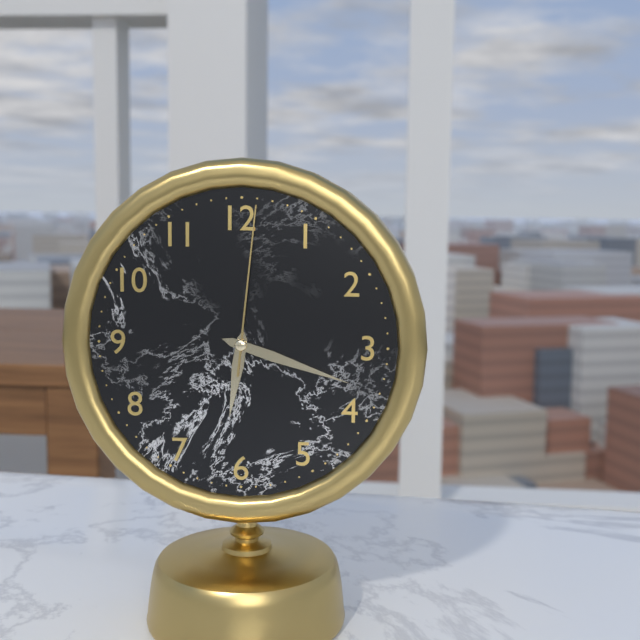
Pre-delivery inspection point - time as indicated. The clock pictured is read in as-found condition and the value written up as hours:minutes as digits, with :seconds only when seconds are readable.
6:18:01
